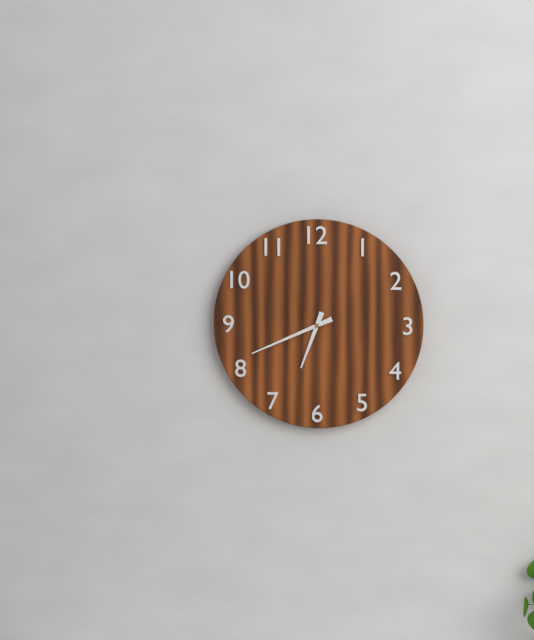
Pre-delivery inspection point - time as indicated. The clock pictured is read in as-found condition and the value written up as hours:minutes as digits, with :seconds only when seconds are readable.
6:41
